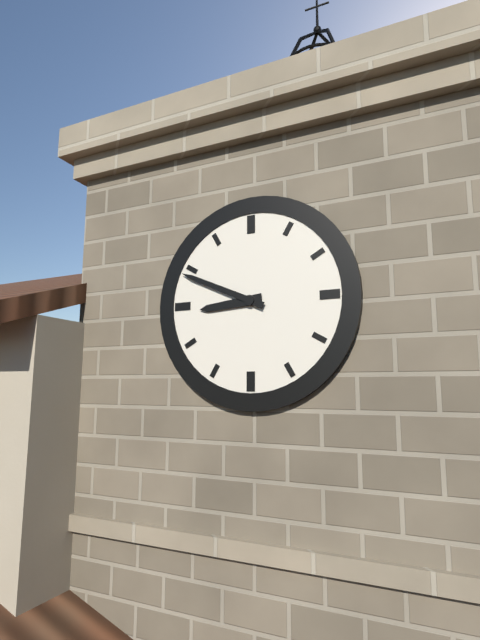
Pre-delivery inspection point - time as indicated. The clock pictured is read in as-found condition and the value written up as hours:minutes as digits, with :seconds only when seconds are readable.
8:49
